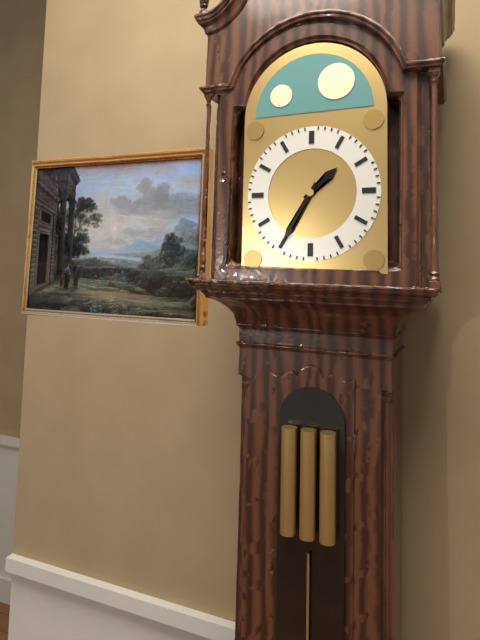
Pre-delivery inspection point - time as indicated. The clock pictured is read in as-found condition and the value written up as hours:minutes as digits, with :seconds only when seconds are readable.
1:35
